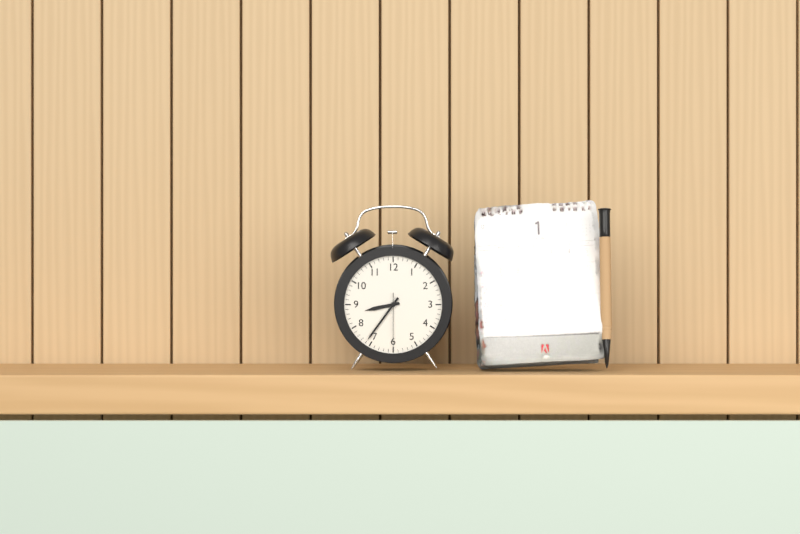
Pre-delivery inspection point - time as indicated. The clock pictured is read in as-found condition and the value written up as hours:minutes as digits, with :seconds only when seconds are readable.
8:36:30
